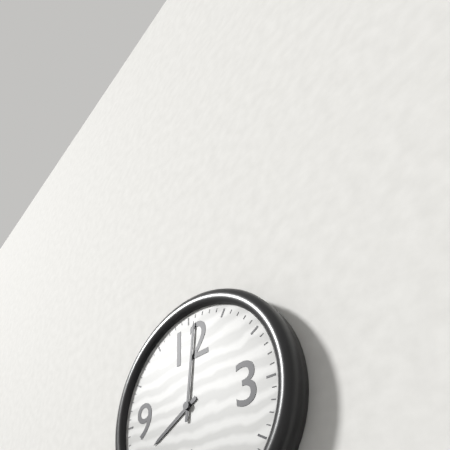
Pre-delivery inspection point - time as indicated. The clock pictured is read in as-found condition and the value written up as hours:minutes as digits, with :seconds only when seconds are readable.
8:01
